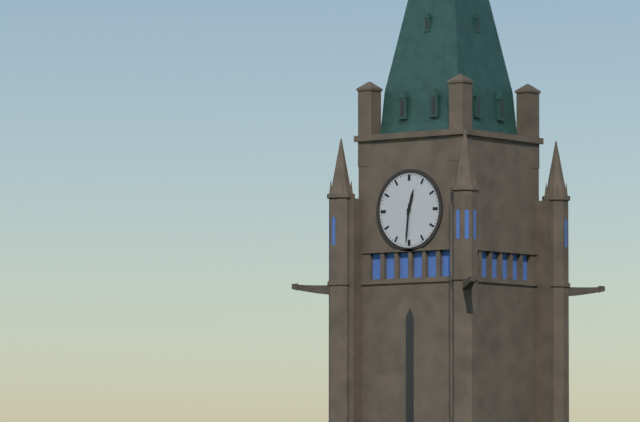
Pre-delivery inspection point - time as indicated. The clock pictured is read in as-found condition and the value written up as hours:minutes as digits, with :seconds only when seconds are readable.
12:31
